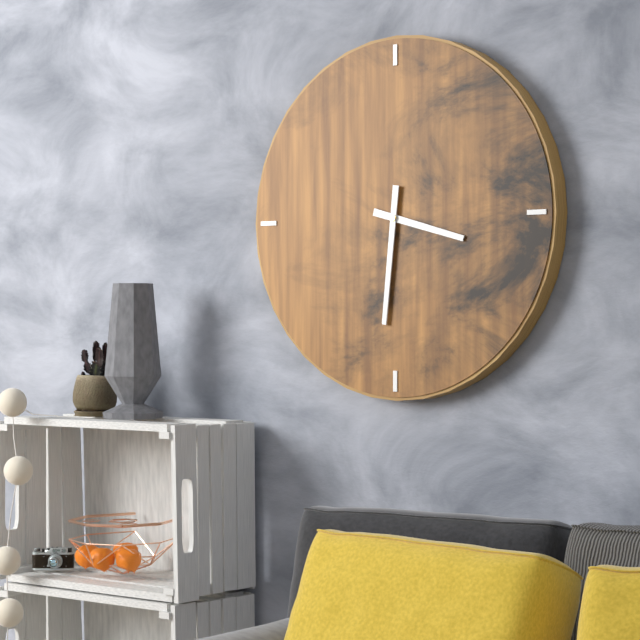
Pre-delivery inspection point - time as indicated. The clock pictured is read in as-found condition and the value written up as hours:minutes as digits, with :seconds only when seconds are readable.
3:31
